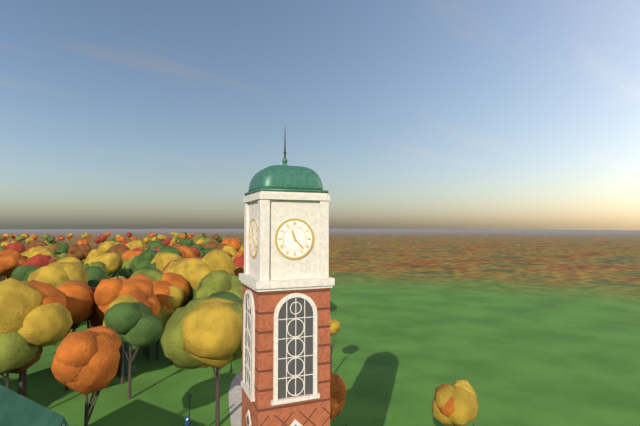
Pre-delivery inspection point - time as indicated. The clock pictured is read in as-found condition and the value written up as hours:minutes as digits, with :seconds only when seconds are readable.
11:23
